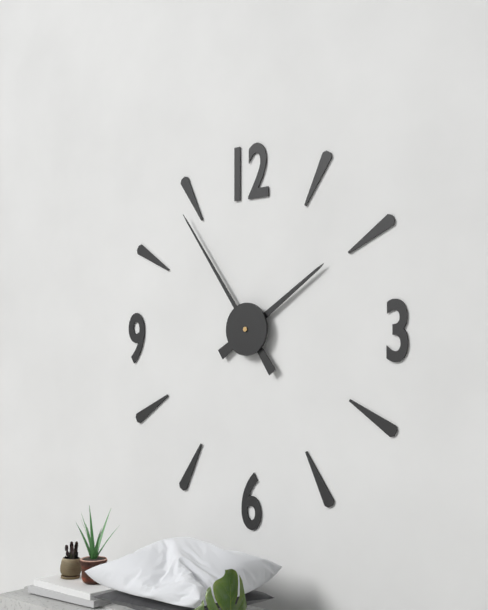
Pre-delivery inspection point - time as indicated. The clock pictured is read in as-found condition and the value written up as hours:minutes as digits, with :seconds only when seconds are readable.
1:54
